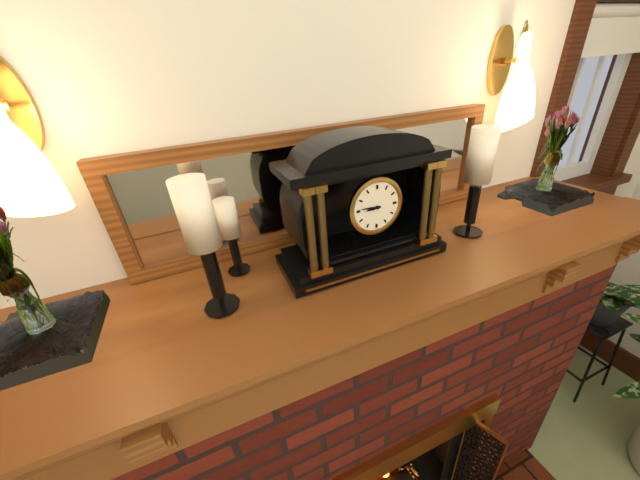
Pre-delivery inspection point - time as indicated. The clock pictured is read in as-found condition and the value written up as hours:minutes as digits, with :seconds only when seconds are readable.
8:46
